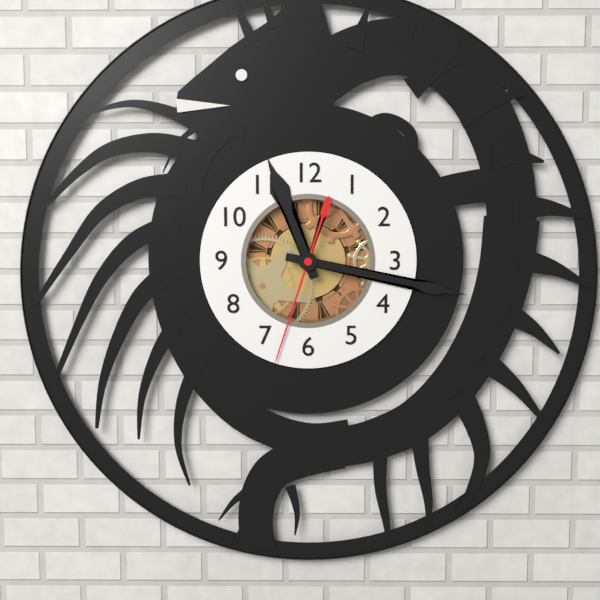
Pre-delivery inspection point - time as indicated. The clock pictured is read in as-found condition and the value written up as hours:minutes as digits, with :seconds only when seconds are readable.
11:17:33
